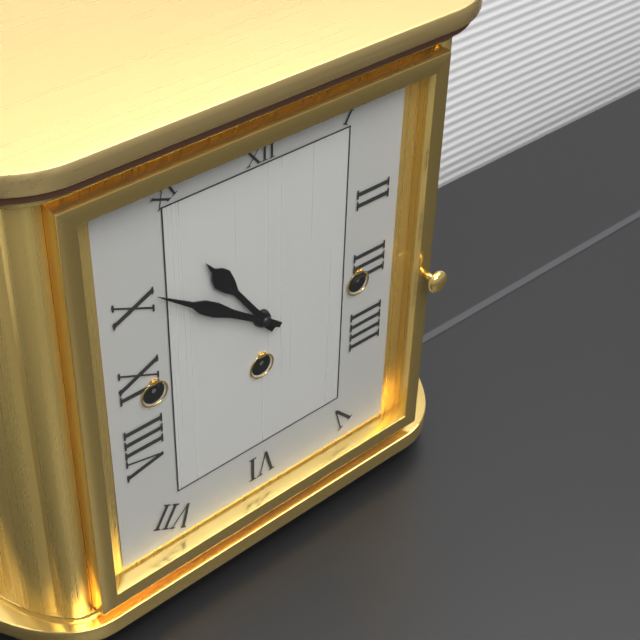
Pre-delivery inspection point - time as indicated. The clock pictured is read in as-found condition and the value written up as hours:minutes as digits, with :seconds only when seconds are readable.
10:51
